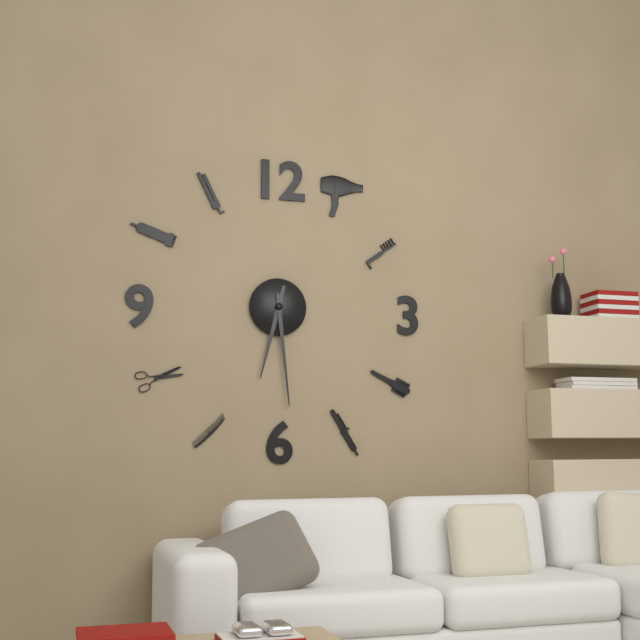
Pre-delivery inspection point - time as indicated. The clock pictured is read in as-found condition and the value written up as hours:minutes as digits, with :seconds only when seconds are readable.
6:29
